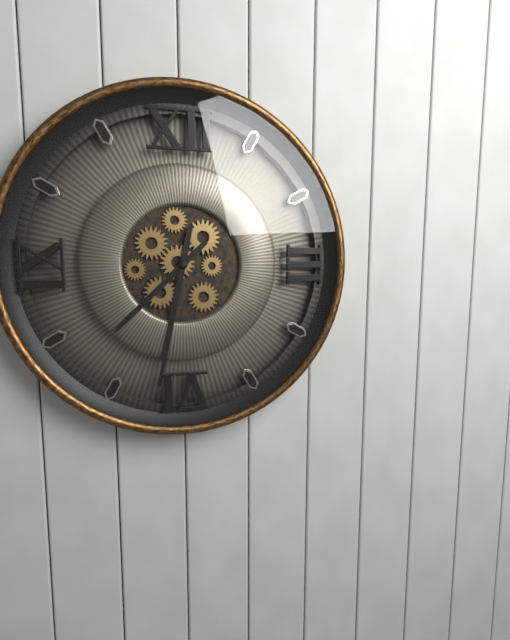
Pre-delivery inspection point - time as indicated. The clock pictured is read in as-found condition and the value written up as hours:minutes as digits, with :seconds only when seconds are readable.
7:32
